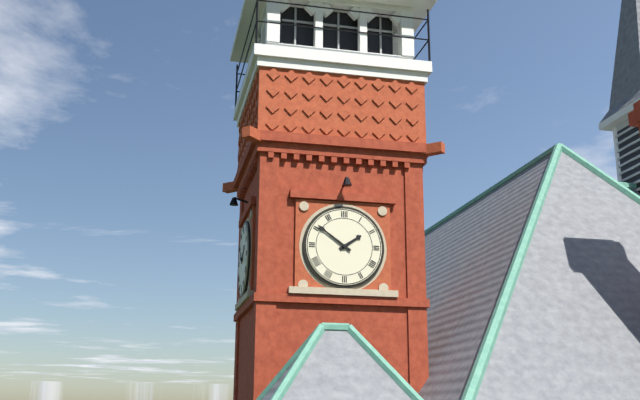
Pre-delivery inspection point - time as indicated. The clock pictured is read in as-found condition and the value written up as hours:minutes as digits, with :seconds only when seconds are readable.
1:51
